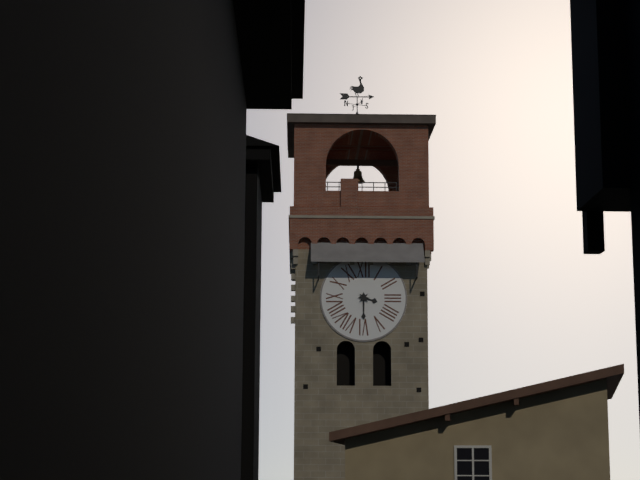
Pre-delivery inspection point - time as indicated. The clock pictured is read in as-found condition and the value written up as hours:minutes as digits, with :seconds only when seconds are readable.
3:30
